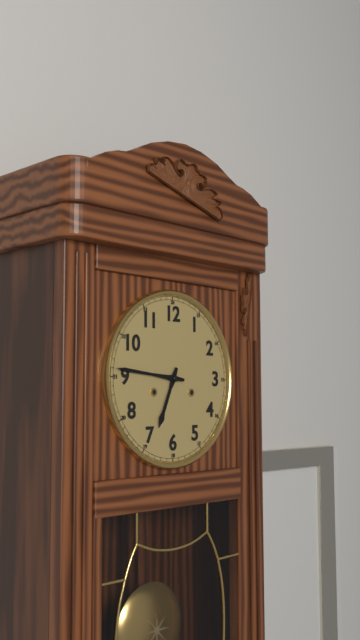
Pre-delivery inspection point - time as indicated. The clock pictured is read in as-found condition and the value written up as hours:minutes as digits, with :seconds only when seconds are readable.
6:46
